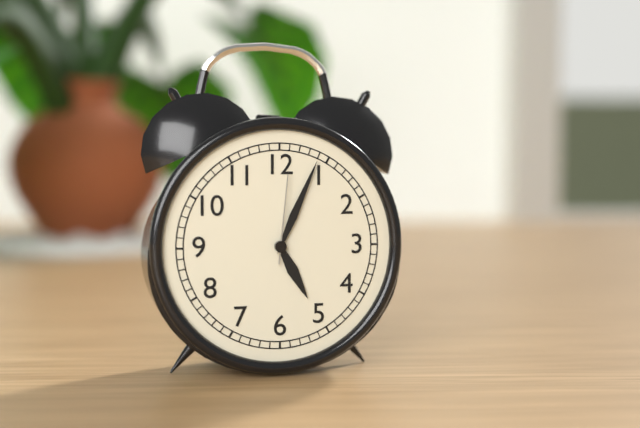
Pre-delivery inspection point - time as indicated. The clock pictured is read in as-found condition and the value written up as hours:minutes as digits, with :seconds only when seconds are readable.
5:04:01
